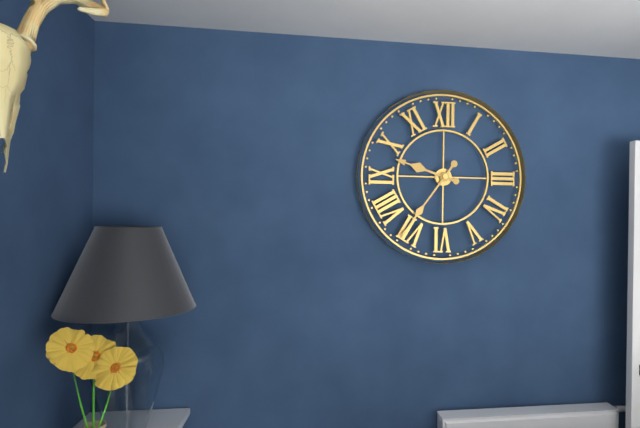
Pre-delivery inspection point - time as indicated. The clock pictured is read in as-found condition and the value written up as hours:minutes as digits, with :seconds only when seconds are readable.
9:36
